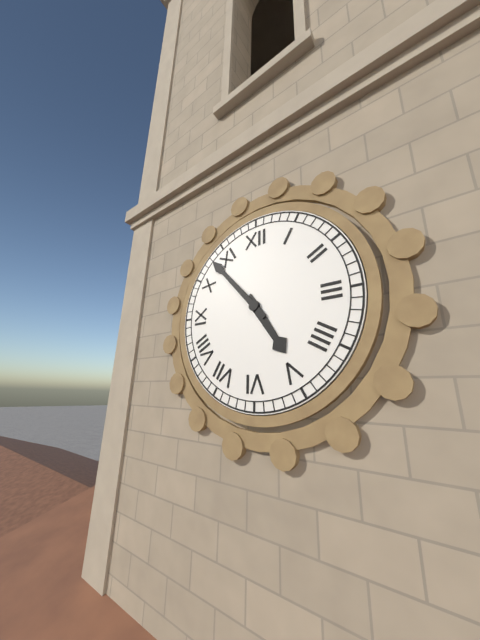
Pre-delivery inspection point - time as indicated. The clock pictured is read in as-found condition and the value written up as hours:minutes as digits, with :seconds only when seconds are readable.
4:53
